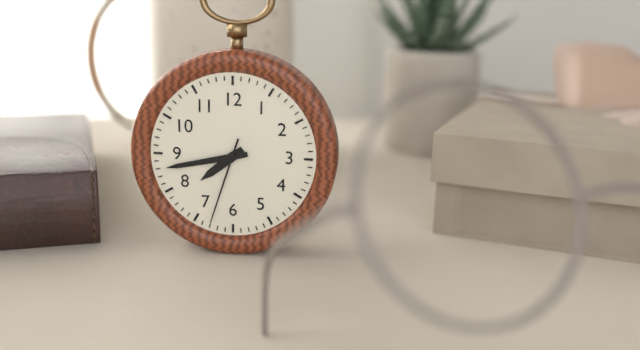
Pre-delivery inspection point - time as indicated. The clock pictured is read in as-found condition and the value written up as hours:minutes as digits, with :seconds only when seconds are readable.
7:43:33
